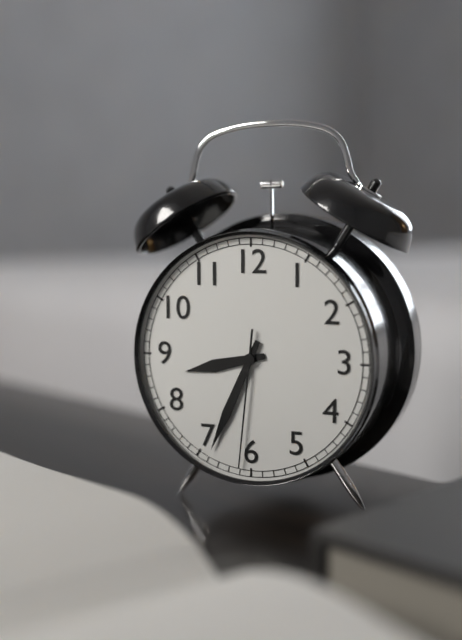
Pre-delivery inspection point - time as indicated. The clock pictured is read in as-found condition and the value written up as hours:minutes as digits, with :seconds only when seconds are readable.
8:34:31
